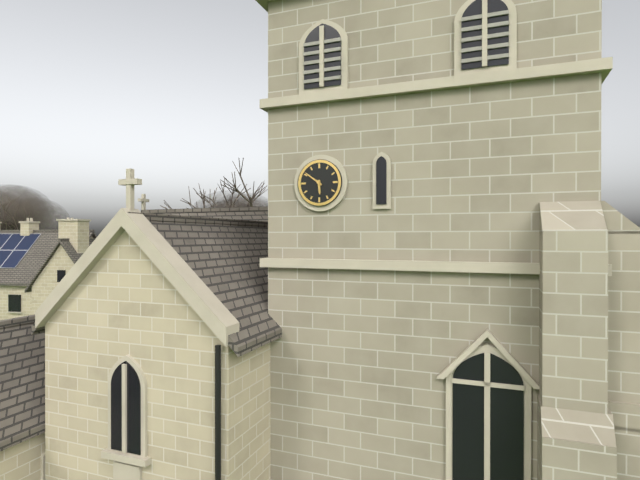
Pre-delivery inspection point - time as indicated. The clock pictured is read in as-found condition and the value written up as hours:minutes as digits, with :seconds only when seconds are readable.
5:51
